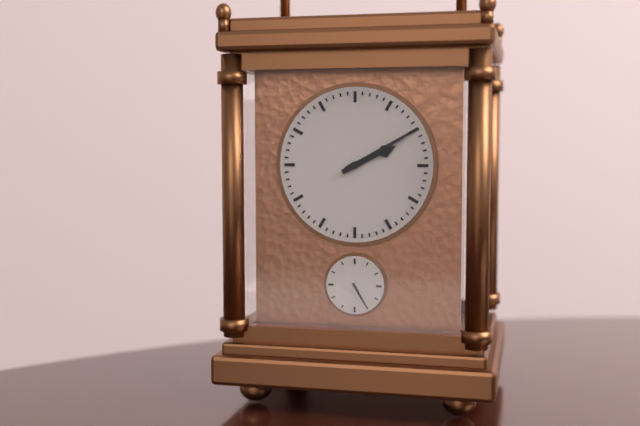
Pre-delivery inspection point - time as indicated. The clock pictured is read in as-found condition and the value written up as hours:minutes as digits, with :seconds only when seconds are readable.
2:10
